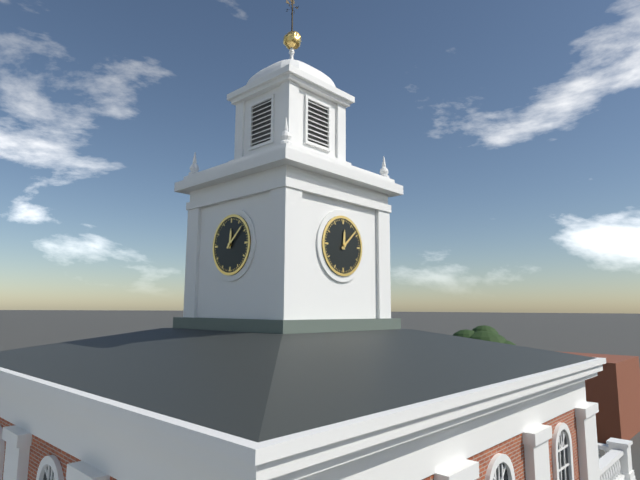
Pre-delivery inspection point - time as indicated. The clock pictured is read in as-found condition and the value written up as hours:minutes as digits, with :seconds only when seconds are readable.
12:08
